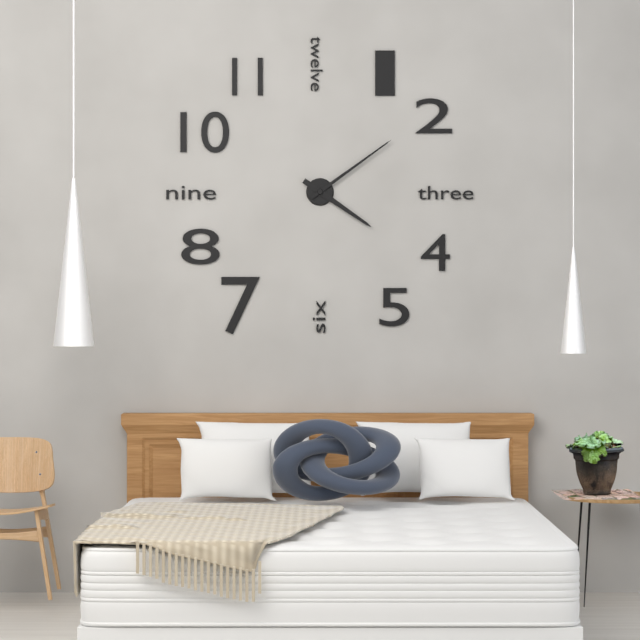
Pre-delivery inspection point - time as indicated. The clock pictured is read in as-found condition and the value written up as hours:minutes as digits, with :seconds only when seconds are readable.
4:09
